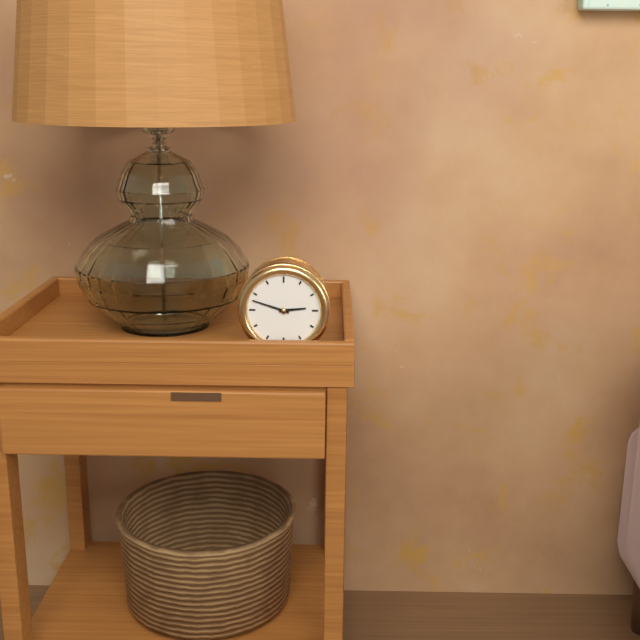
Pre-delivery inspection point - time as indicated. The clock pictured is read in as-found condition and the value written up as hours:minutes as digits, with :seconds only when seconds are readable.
2:48
